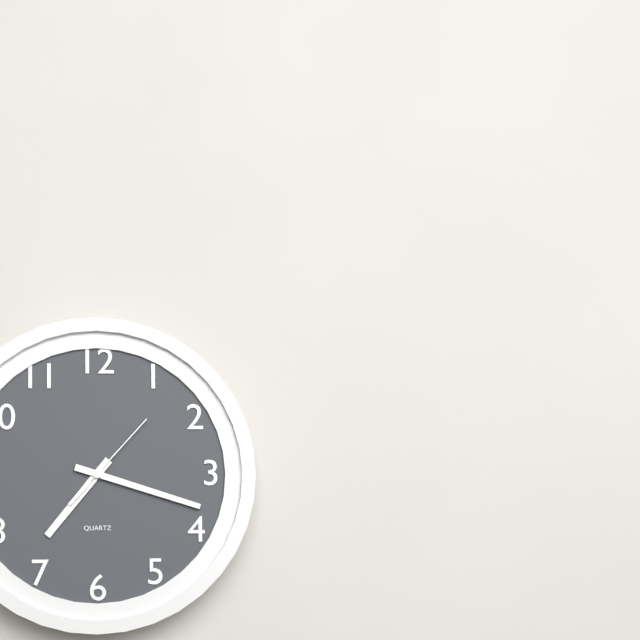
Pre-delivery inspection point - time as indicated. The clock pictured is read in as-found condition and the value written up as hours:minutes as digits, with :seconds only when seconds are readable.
7:18:07
